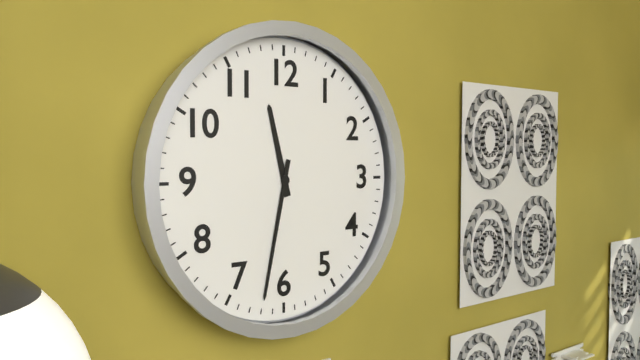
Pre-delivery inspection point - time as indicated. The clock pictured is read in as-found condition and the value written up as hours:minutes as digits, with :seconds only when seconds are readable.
11:32
